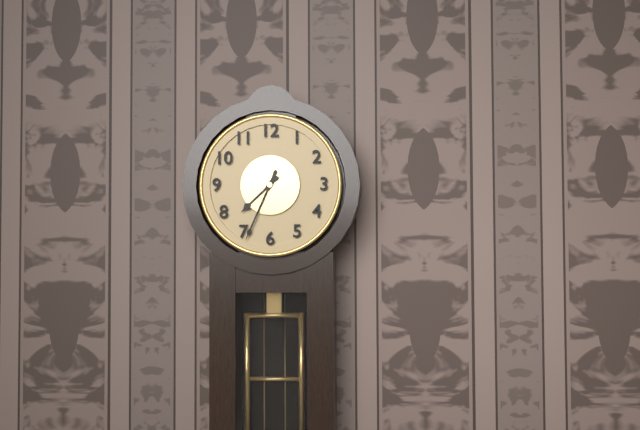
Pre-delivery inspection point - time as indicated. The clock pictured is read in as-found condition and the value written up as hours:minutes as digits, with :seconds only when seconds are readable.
7:34
